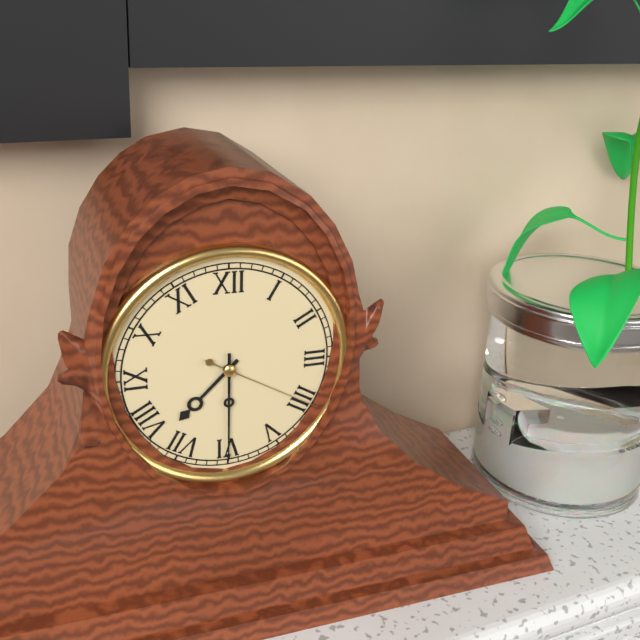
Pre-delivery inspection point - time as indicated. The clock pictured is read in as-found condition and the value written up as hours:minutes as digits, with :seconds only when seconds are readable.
7:30:20
